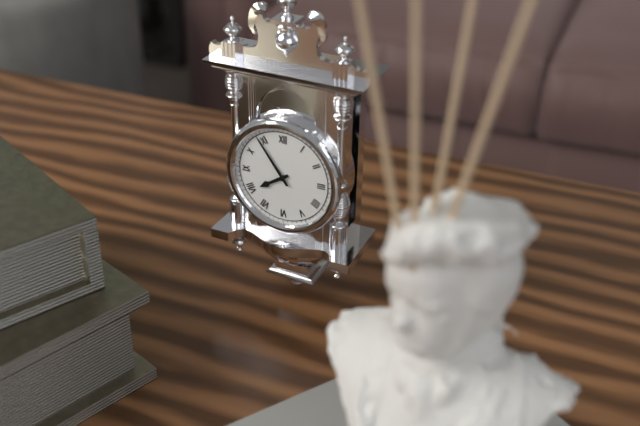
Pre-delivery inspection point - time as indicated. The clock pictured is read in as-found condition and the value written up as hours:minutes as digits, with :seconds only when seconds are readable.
7:54
